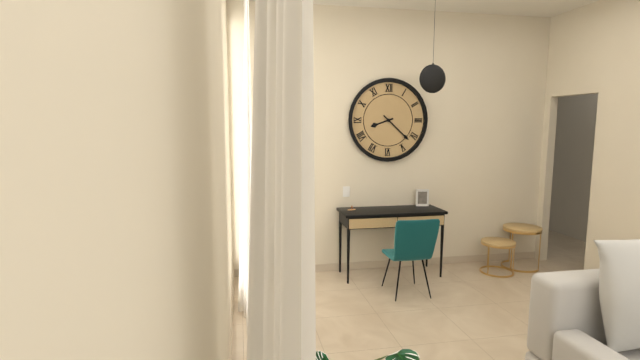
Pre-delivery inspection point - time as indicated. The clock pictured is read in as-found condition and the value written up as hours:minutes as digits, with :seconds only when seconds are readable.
8:22
